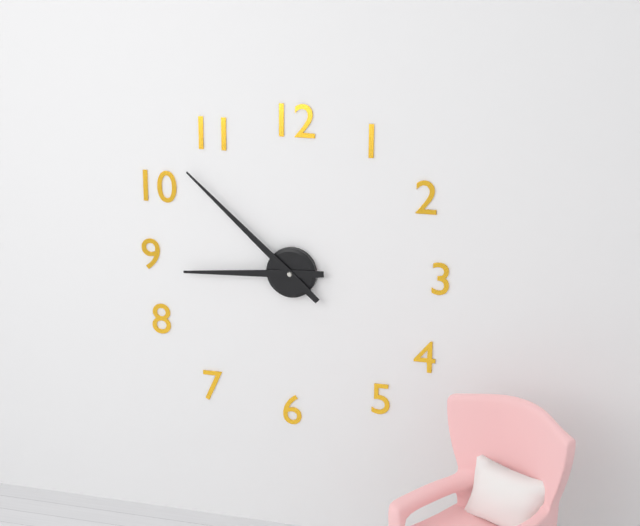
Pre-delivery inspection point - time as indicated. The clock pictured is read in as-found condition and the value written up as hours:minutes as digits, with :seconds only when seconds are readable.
8:52
